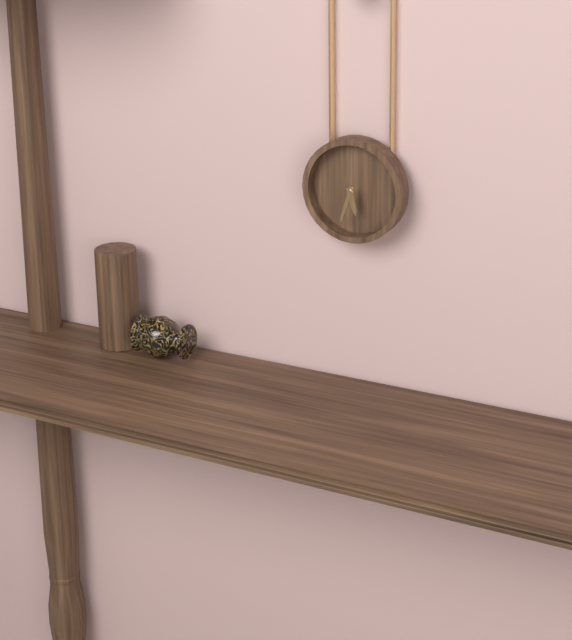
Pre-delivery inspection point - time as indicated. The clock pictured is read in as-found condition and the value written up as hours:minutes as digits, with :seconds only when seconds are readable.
5:33
